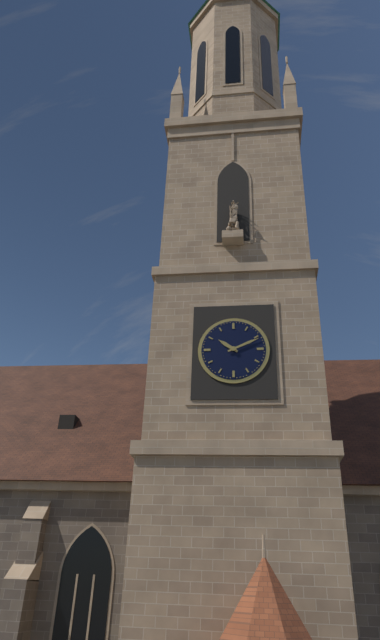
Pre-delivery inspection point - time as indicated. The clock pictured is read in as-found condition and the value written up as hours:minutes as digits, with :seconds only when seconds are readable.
10:11
